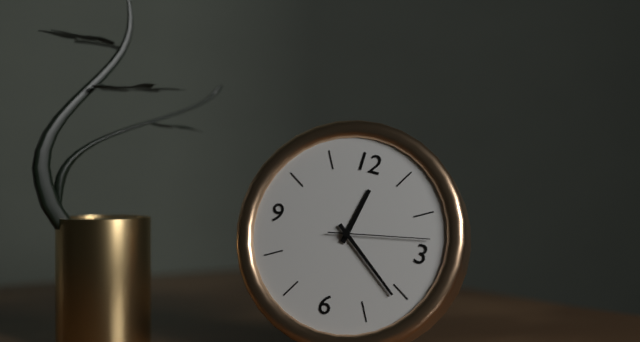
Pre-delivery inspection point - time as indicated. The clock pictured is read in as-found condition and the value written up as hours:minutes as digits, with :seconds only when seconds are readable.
12:21:13
